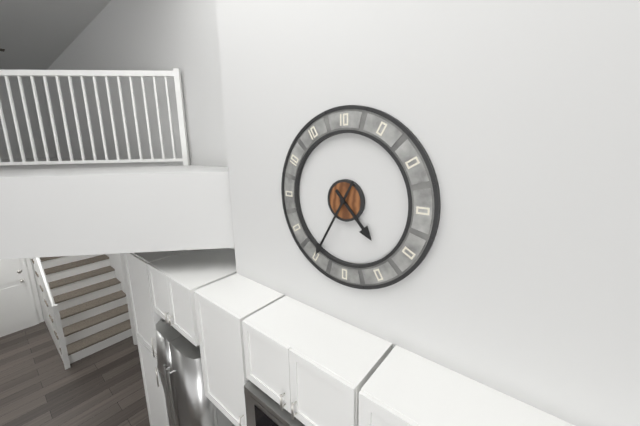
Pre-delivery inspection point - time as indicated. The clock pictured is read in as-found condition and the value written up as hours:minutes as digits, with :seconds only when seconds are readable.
4:35
